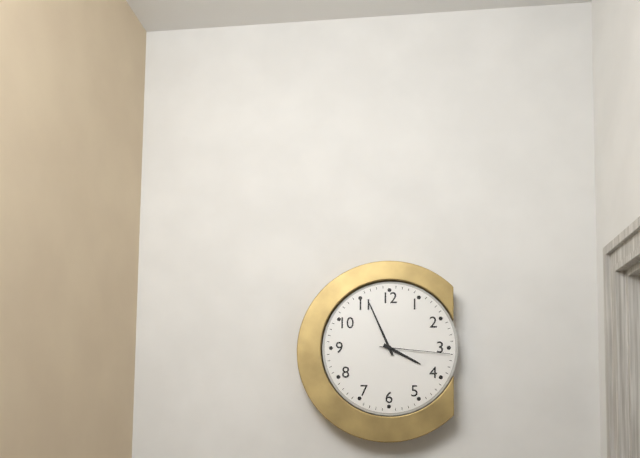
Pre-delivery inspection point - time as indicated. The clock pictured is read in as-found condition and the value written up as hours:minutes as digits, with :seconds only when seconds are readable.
3:56:16
